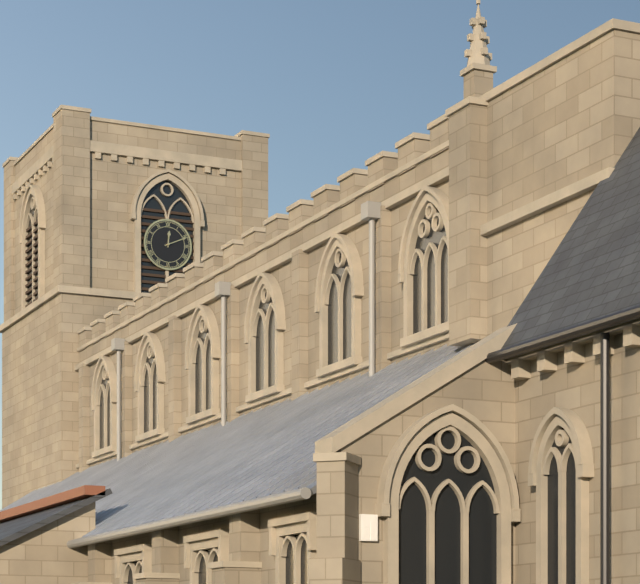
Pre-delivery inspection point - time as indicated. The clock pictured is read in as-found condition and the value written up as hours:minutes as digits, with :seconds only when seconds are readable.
12:11
